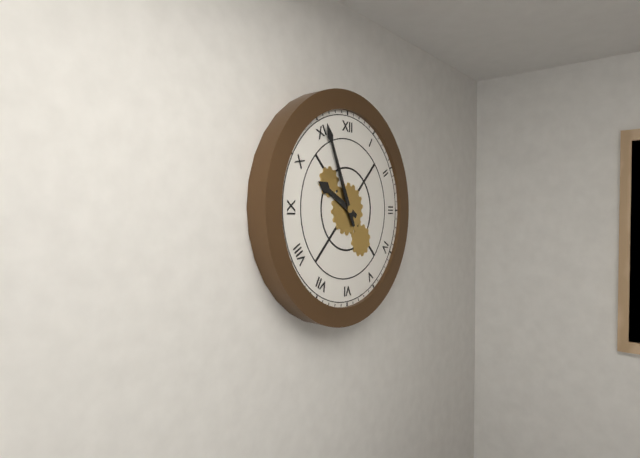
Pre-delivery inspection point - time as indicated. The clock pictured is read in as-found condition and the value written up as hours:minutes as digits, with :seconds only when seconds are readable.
9:56
